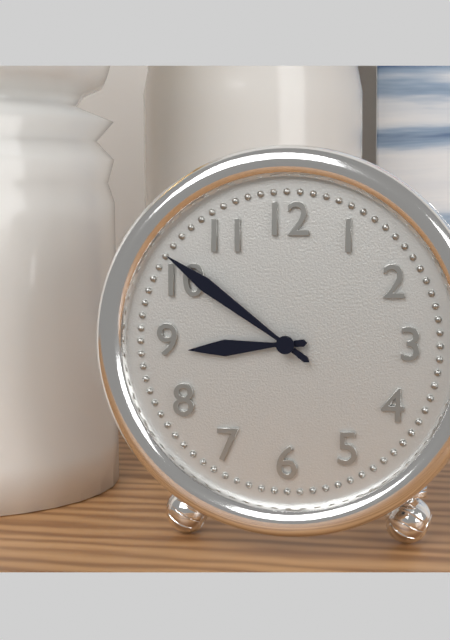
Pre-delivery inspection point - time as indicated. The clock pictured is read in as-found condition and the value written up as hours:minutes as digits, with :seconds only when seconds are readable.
8:51
